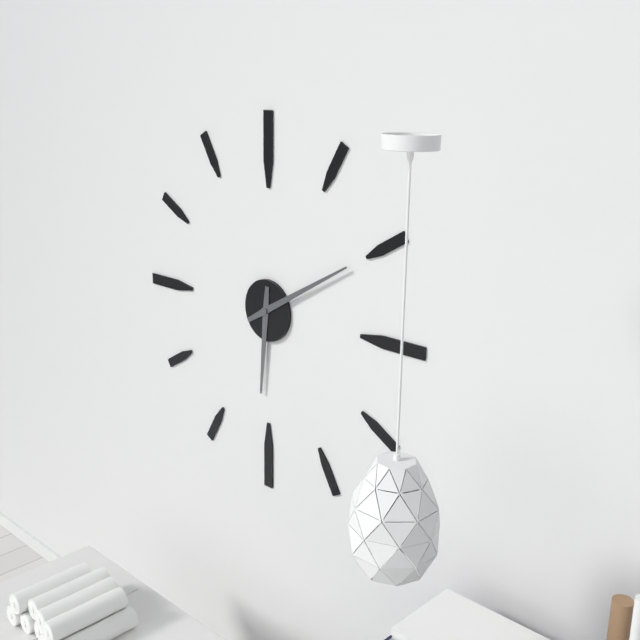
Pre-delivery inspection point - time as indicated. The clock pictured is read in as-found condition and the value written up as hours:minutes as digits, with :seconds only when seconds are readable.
6:10
